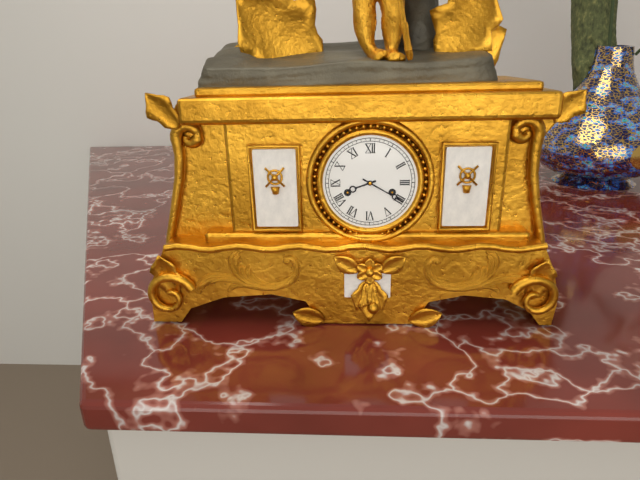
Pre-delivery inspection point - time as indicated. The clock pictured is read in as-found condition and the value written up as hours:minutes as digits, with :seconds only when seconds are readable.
8:20
